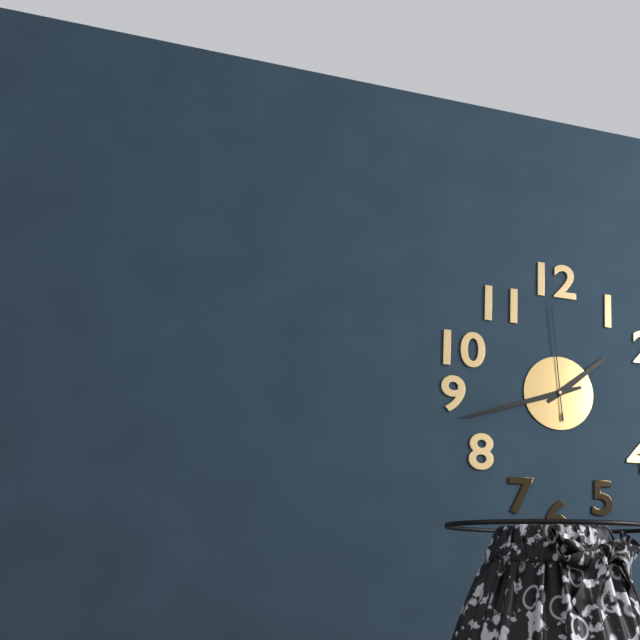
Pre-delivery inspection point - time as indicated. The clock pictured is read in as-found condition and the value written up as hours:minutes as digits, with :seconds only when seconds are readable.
1:42:59
